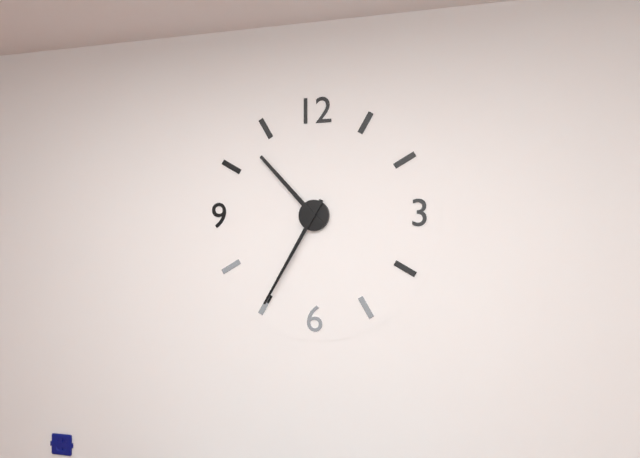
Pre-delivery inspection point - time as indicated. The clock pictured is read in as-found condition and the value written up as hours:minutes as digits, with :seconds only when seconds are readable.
10:35
